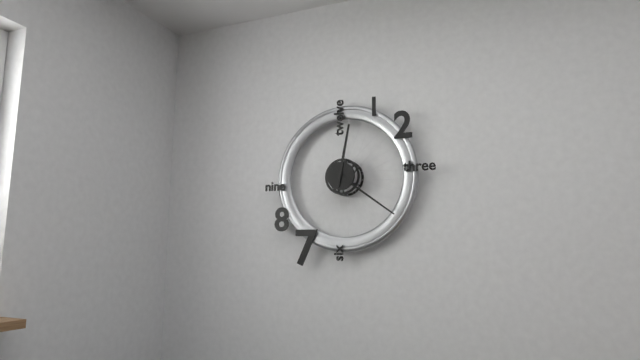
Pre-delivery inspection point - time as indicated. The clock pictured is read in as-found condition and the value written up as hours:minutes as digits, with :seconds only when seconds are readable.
12:21
